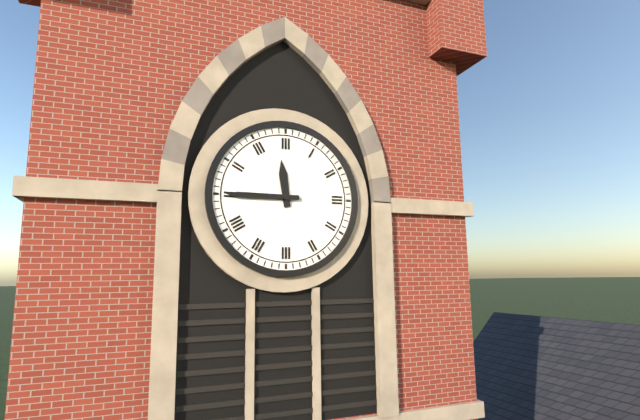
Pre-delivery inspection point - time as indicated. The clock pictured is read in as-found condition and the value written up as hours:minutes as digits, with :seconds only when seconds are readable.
11:45
